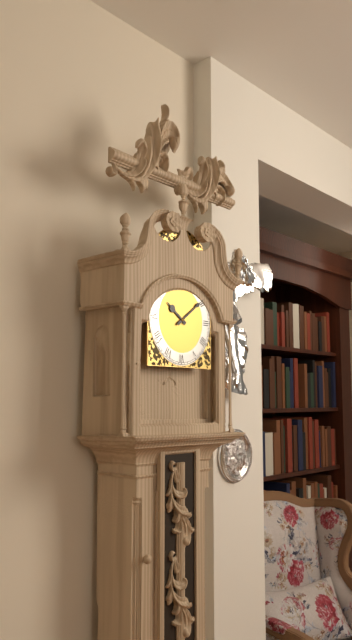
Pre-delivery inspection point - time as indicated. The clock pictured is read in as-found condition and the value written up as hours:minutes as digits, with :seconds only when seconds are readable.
10:09
